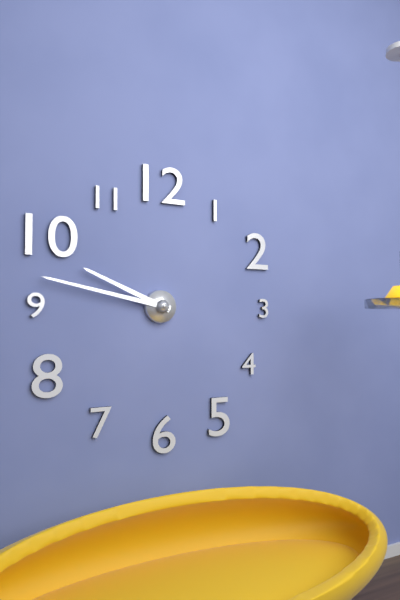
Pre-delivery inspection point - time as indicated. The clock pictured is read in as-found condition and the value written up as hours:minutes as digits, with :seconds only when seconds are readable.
9:47
